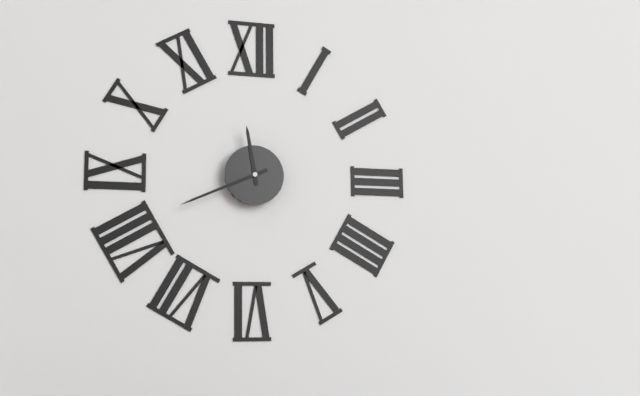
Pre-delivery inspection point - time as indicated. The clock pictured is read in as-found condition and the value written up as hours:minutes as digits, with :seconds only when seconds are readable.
11:41
